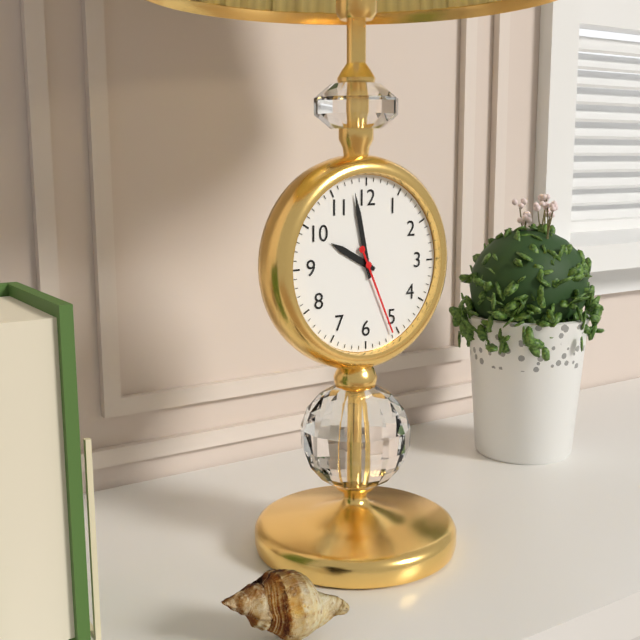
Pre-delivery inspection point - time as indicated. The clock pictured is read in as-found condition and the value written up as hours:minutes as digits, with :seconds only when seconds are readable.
9:58:26
